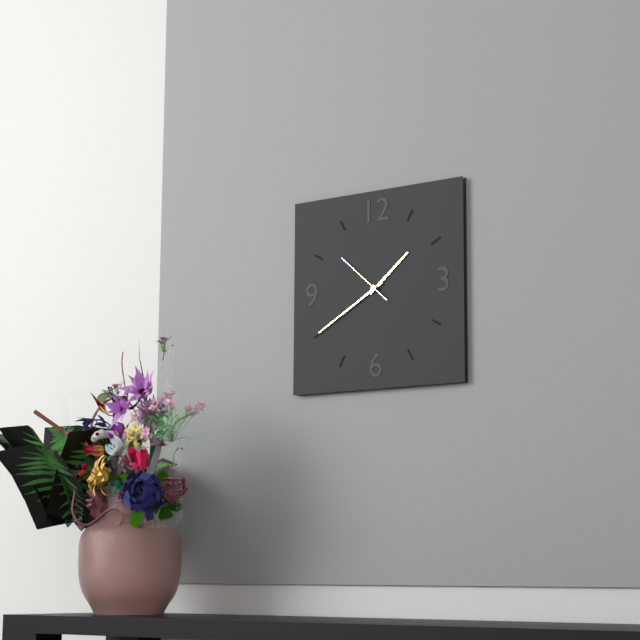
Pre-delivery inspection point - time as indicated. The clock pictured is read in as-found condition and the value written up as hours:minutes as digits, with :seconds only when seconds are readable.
1:40:52
